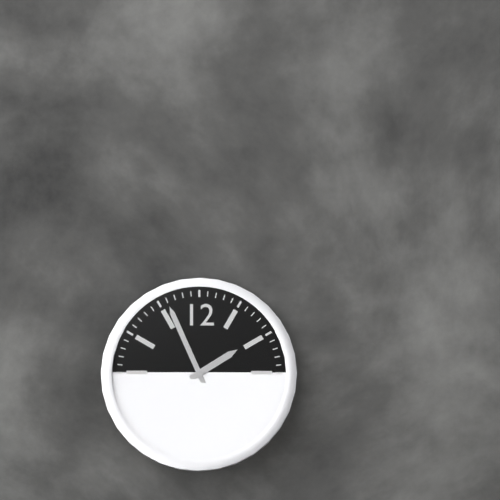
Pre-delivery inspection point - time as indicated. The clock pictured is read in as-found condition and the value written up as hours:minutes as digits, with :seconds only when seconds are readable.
1:56
